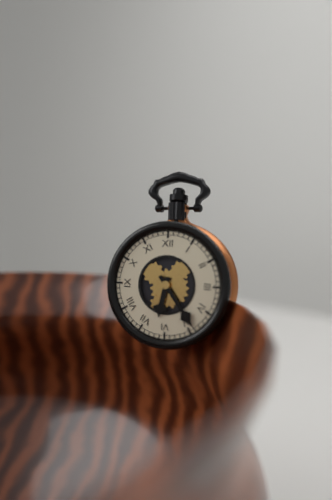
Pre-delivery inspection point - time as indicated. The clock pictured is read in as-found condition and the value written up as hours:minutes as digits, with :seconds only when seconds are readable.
6:24
